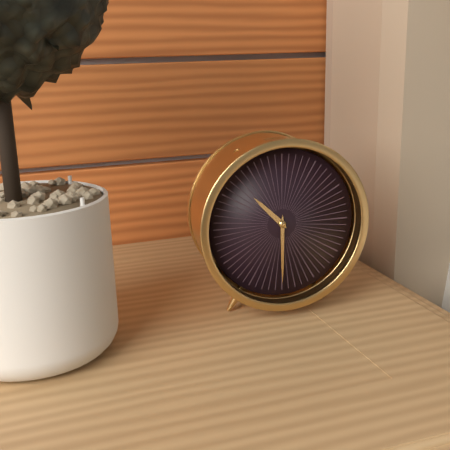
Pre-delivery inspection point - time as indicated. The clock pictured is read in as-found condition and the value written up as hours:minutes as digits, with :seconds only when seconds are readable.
10:30
